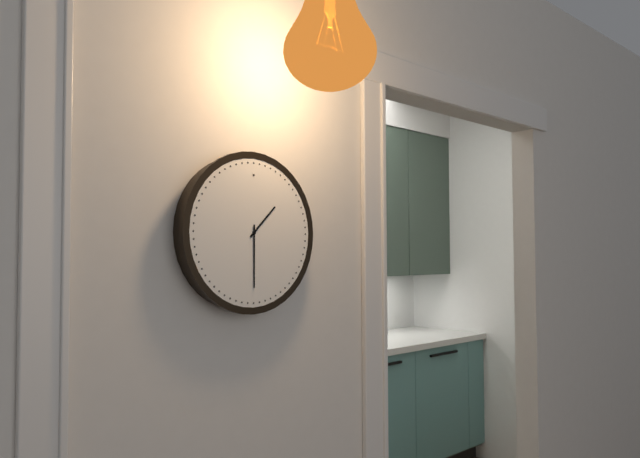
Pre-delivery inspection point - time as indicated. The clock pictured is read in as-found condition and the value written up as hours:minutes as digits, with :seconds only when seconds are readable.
1:30
